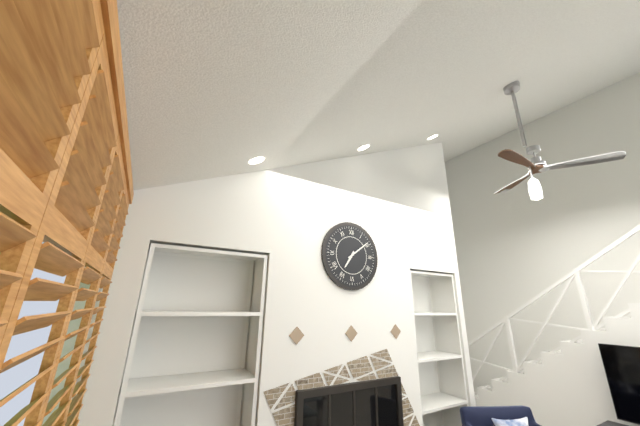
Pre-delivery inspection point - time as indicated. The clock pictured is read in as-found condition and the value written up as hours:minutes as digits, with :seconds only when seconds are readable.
7:09
